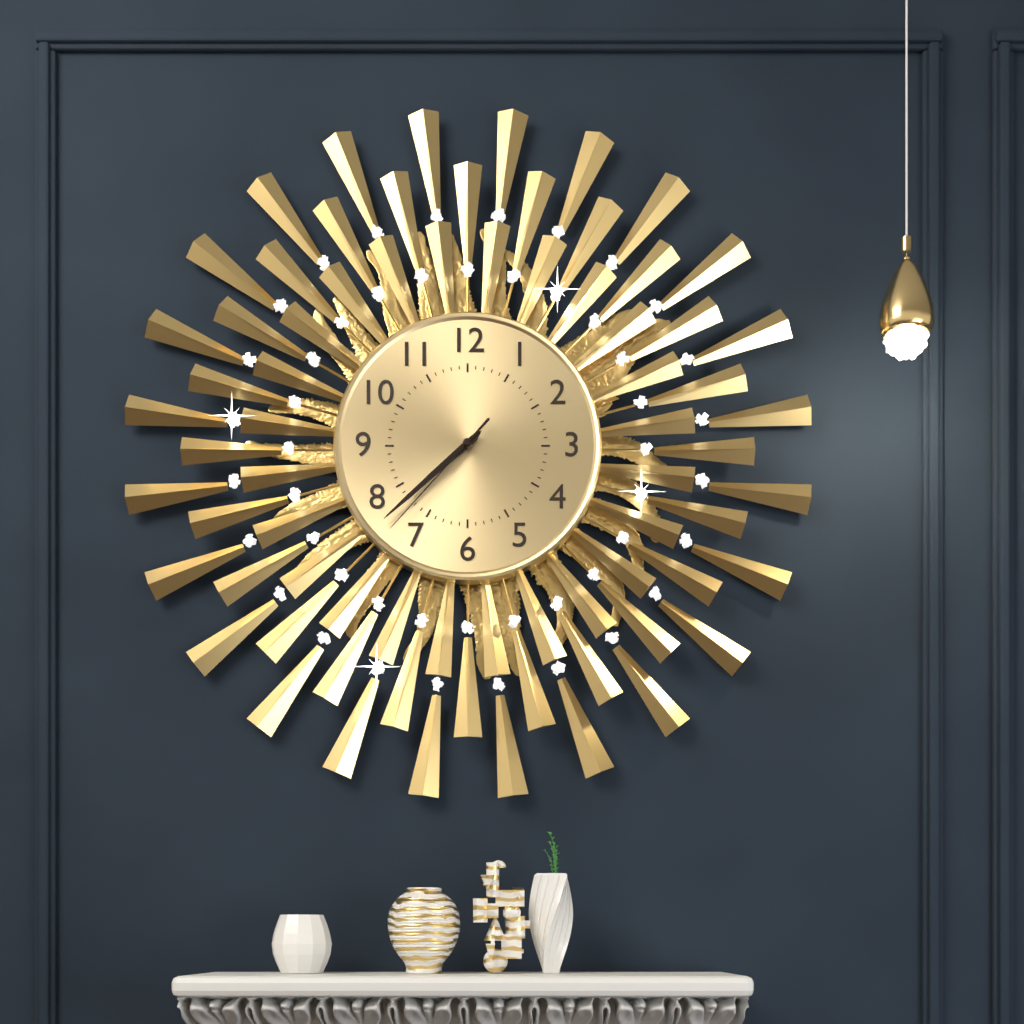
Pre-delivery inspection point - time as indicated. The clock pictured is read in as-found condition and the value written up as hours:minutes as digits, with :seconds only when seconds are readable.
7:38:37
